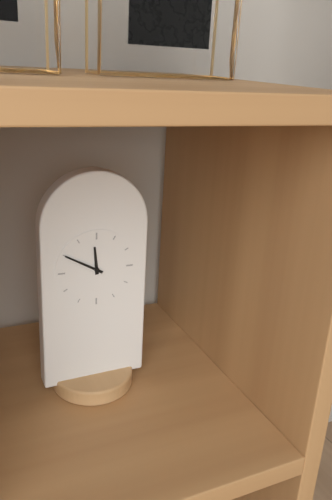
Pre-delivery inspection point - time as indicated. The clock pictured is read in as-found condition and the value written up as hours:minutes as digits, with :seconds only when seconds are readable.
11:50
